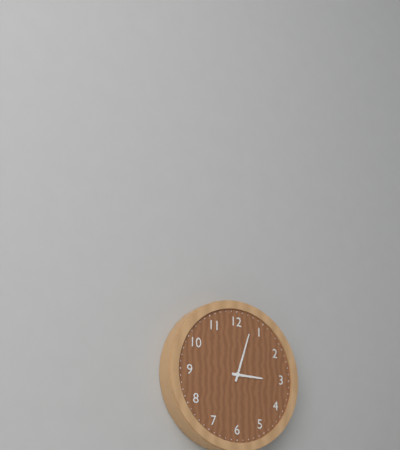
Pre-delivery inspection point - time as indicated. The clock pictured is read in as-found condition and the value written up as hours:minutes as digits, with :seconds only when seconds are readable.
3:03
